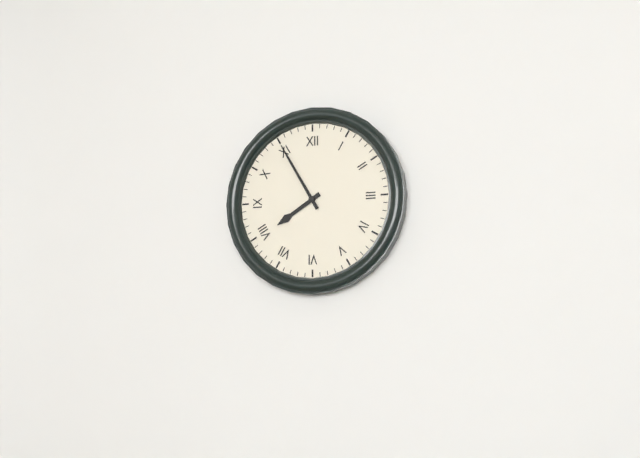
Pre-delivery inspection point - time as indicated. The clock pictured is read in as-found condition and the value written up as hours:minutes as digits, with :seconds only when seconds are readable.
7:55
